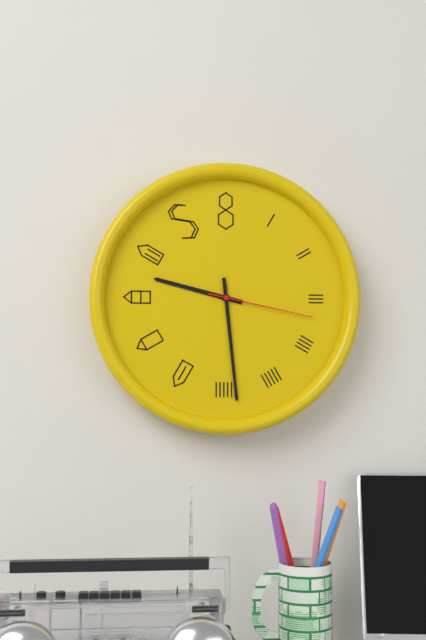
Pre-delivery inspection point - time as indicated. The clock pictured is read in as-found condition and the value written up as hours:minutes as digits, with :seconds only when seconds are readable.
9:29:17
